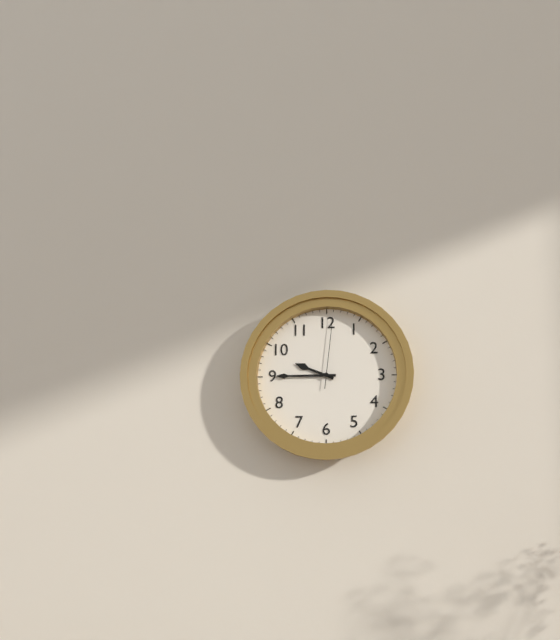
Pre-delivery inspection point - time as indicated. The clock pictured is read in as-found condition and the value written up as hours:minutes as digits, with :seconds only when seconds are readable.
9:45:01
